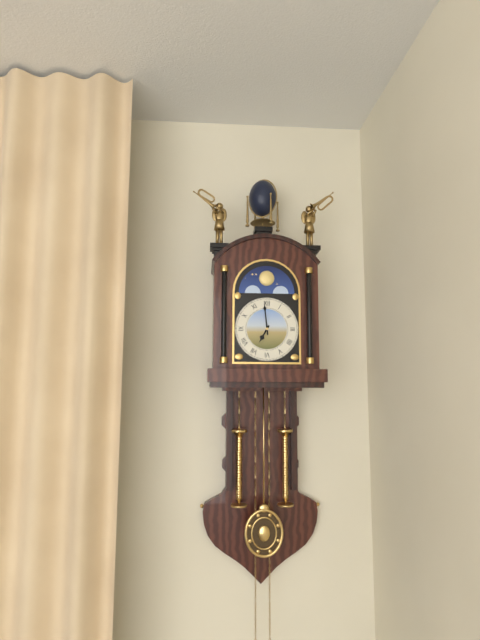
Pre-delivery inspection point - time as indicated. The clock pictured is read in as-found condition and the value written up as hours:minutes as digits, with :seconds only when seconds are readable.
6:59
